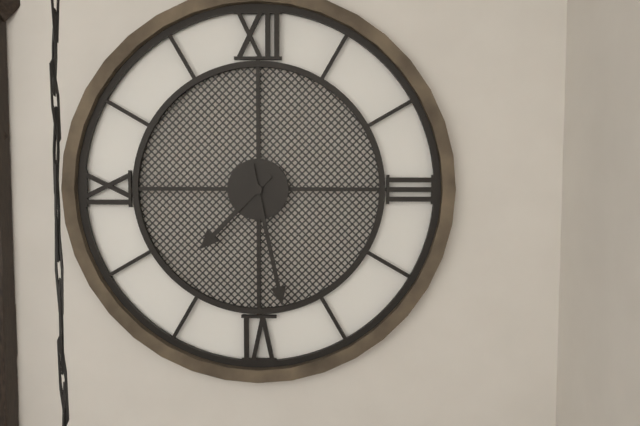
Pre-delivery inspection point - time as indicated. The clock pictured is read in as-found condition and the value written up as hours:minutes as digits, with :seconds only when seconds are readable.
7:28
